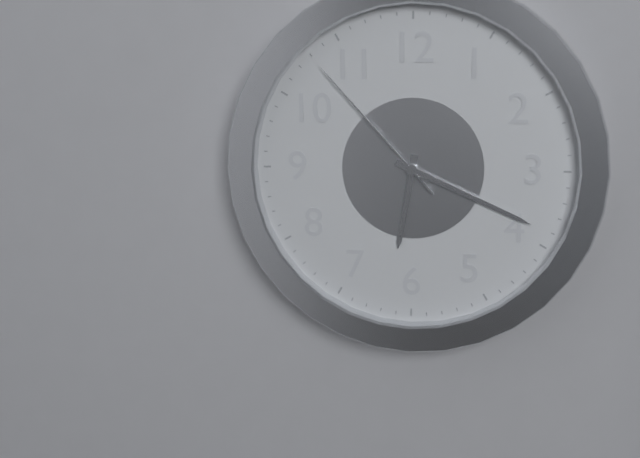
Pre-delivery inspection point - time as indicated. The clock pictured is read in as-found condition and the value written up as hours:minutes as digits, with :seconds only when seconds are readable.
6:19:53
